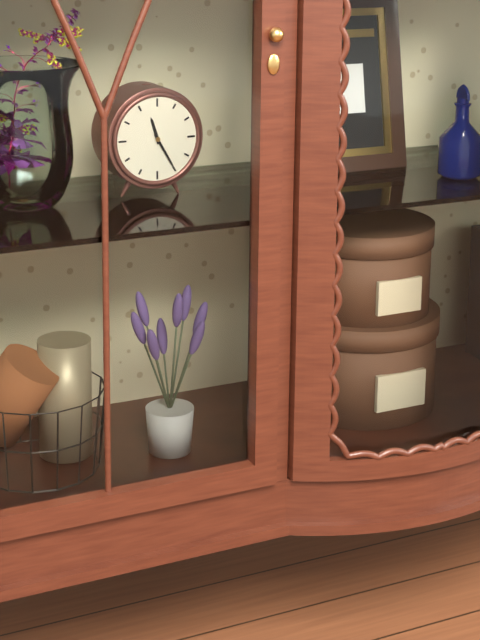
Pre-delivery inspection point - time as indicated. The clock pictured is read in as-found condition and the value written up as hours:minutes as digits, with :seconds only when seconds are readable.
11:25
